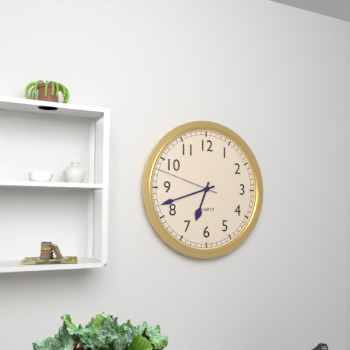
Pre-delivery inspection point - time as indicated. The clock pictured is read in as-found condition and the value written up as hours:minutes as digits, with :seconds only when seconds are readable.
6:42:48
